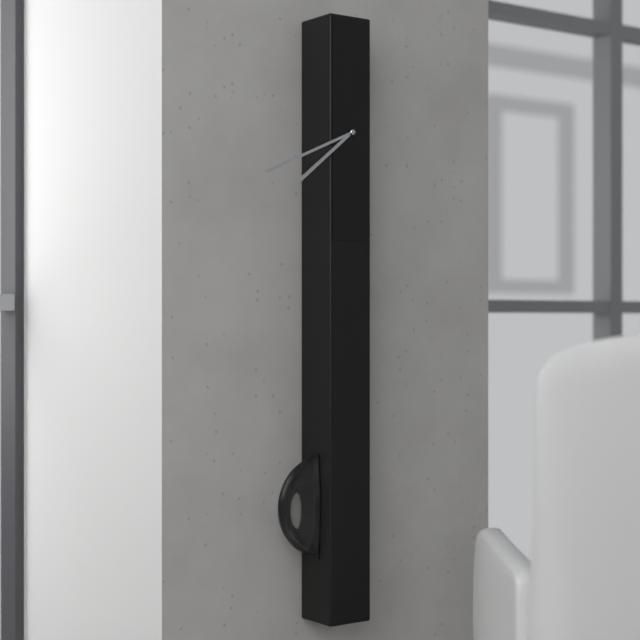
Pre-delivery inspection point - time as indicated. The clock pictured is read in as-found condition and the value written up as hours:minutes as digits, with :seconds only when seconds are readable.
7:41
